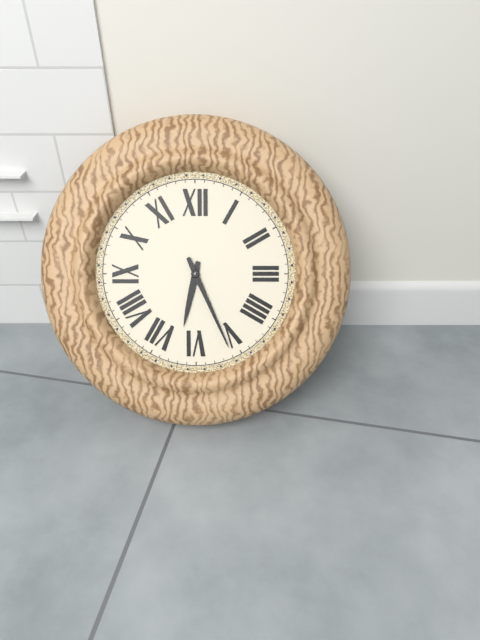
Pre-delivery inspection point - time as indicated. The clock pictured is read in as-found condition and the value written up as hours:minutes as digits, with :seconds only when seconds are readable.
6:26
